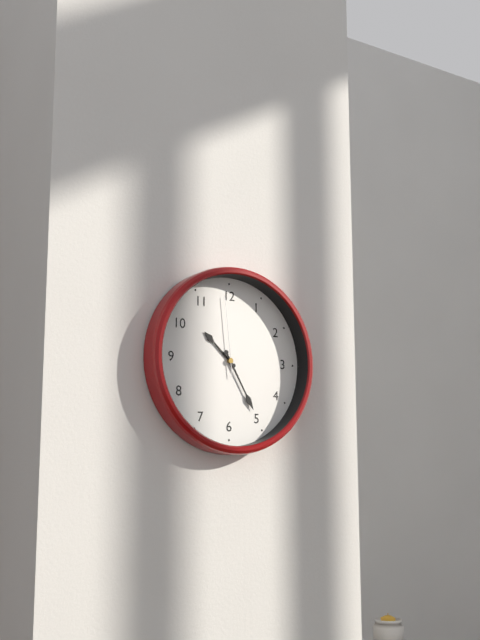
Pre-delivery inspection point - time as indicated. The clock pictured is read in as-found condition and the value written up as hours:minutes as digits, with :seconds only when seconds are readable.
10:25:59
